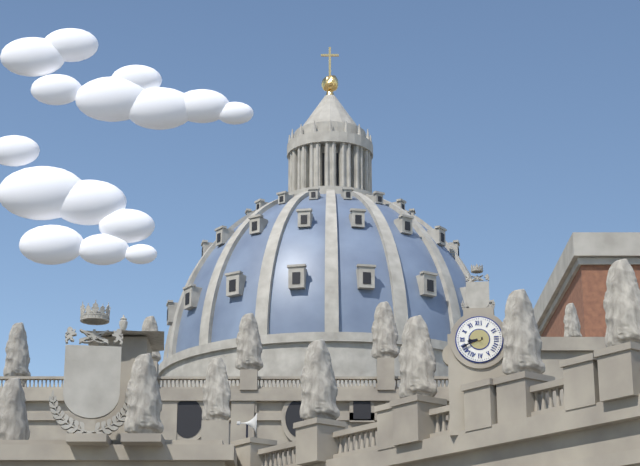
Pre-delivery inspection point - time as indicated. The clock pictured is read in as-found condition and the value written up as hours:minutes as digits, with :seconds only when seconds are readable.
8:41
